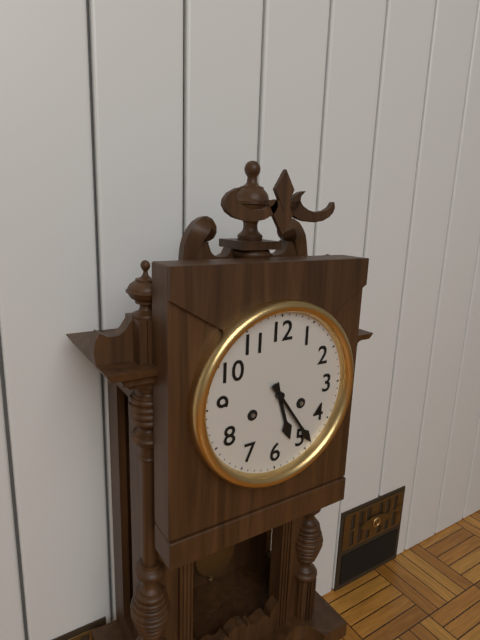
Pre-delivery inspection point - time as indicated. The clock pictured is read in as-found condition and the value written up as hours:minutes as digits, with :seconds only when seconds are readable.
5:24
